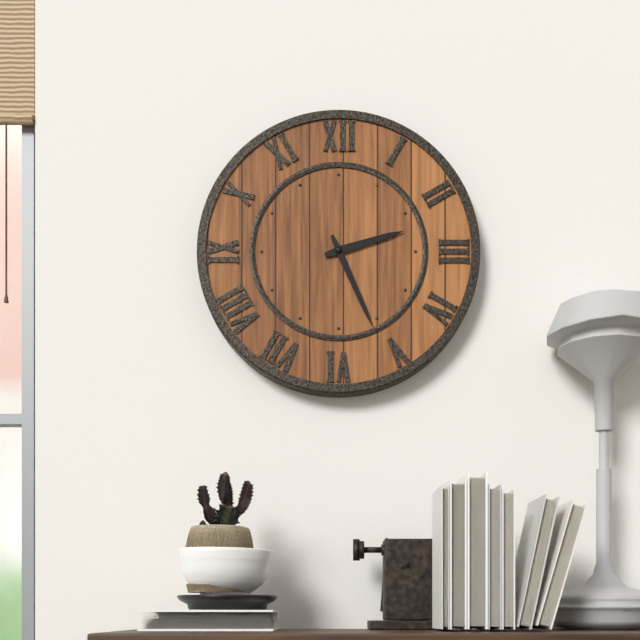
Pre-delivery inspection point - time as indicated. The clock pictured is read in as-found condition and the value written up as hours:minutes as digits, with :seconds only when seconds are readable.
2:26
